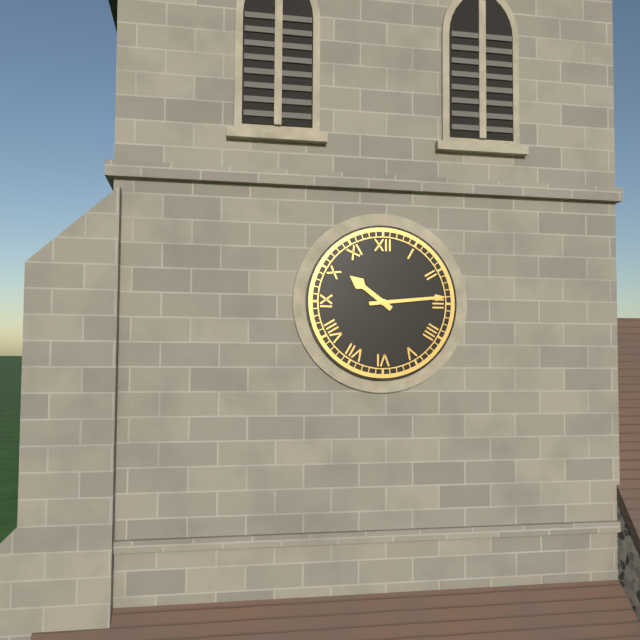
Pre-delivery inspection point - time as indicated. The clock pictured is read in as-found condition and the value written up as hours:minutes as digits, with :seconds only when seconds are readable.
10:14
